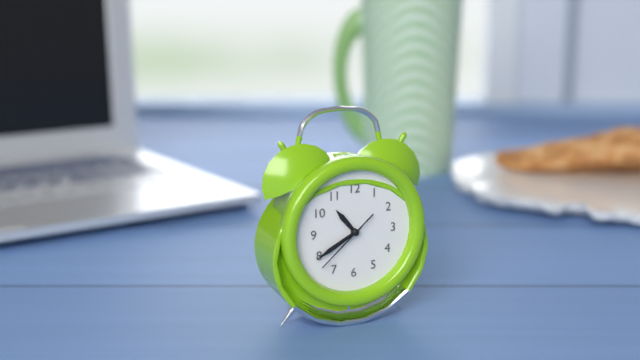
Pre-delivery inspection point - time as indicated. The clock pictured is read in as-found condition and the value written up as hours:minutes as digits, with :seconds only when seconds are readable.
10:40:38
